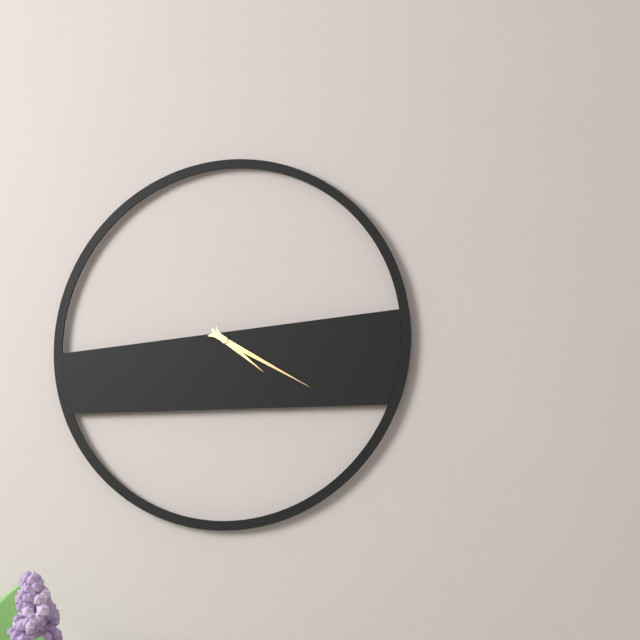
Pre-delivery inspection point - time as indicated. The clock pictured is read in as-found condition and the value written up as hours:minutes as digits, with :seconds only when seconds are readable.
4:20
